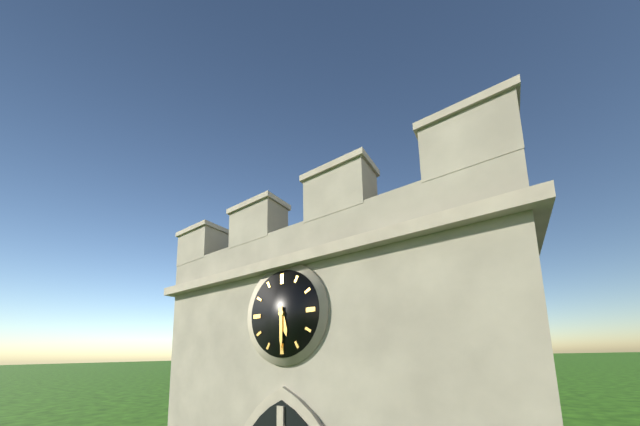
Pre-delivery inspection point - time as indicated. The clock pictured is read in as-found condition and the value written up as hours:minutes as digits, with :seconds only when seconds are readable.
5:30
